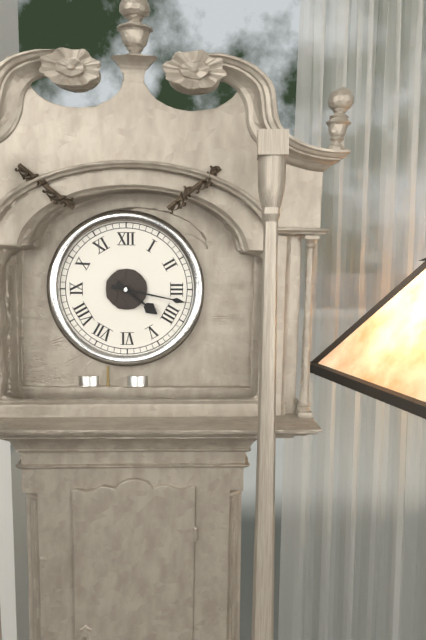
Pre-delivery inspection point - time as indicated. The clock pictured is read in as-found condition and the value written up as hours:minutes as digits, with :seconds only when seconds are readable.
4:17
